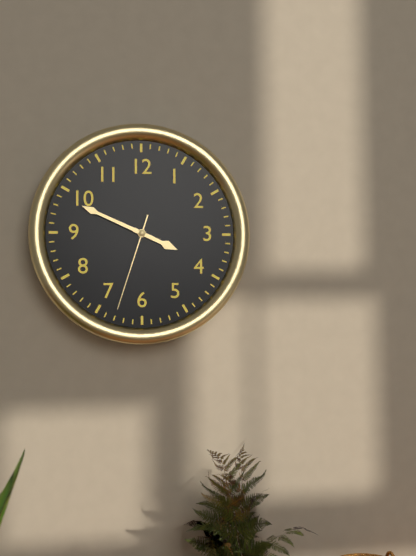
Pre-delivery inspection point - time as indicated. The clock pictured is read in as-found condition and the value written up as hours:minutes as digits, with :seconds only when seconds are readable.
3:49:33
